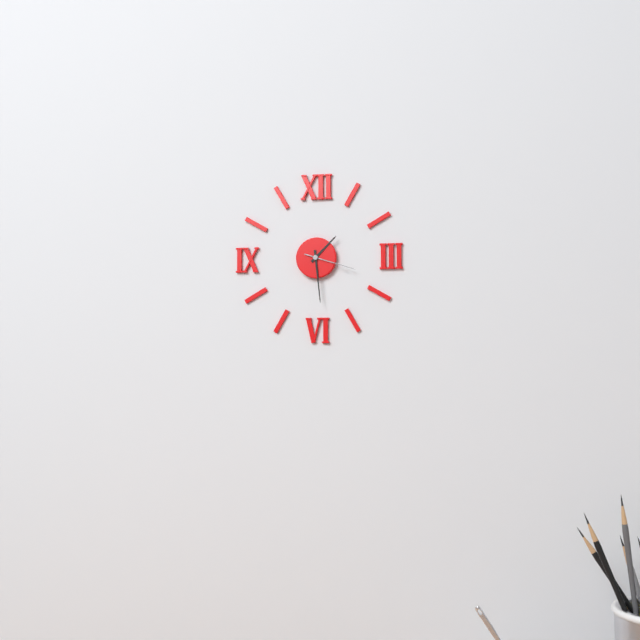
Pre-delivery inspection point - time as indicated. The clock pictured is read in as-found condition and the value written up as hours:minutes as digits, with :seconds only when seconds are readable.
1:29:18
